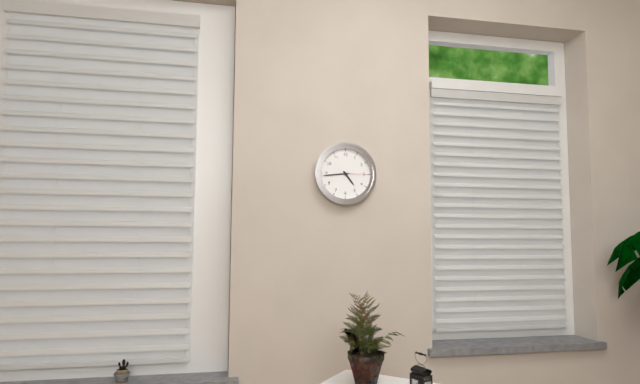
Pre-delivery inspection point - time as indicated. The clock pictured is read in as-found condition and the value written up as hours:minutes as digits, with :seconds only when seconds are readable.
4:44
